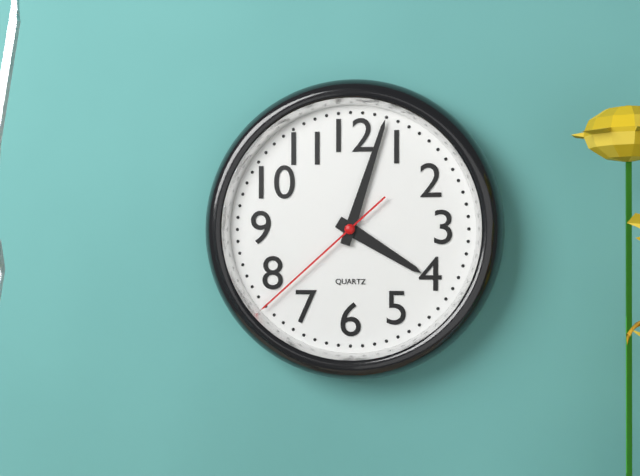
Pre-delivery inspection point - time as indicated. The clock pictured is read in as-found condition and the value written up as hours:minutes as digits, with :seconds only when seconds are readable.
4:03:38
